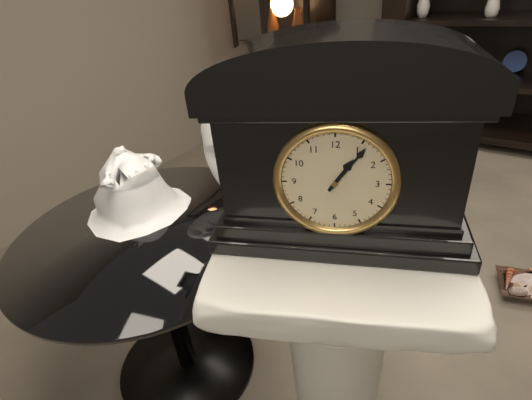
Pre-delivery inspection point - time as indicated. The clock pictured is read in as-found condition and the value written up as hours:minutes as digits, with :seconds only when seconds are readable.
1:06
